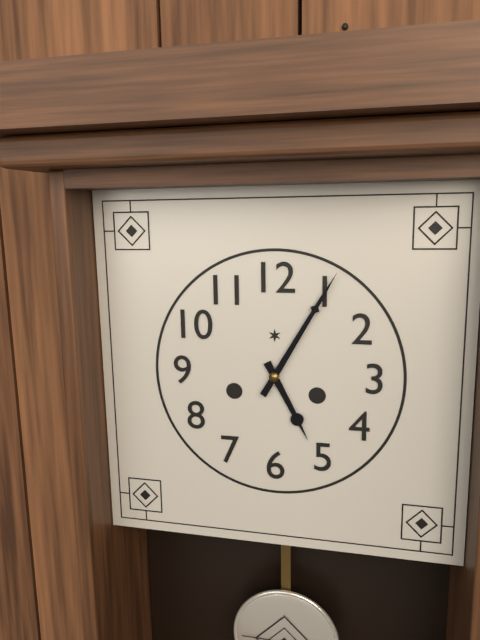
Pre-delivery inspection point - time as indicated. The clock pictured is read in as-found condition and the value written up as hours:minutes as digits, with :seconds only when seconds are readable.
5:05
